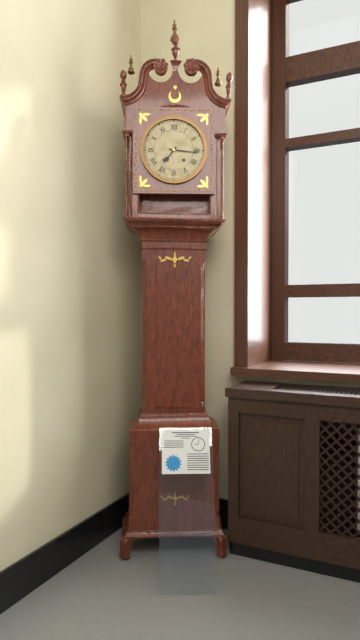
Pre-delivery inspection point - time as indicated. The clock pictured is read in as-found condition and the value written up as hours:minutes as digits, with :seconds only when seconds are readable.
7:16
